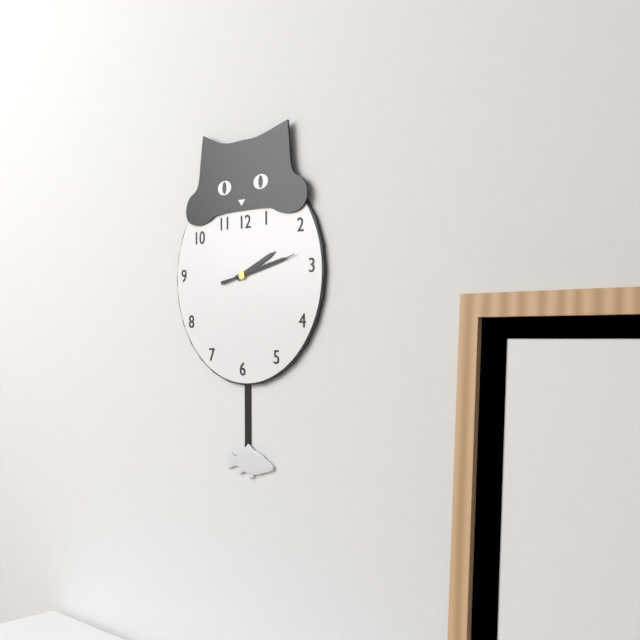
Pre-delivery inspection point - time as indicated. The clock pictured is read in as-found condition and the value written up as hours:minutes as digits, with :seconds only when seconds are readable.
2:13:13
